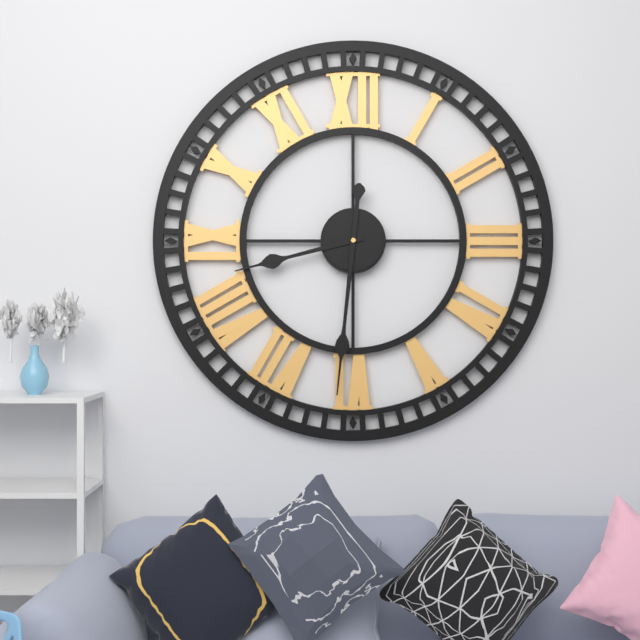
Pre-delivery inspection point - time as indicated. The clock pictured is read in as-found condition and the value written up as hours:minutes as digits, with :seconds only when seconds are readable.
8:31
